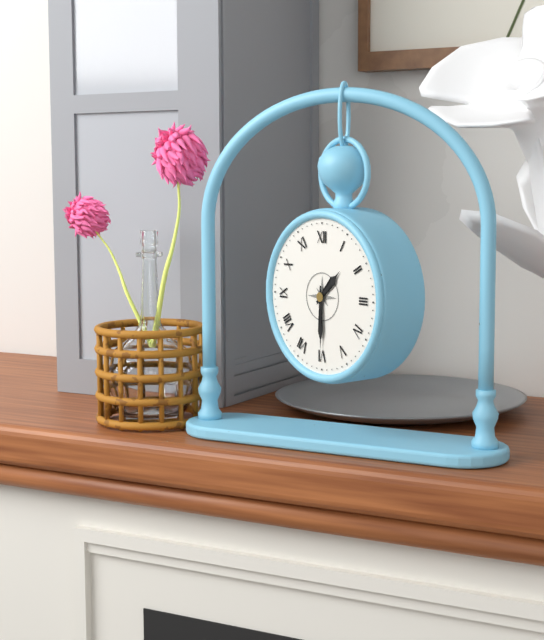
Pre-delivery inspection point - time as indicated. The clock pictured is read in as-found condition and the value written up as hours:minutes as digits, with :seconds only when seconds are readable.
1:30
